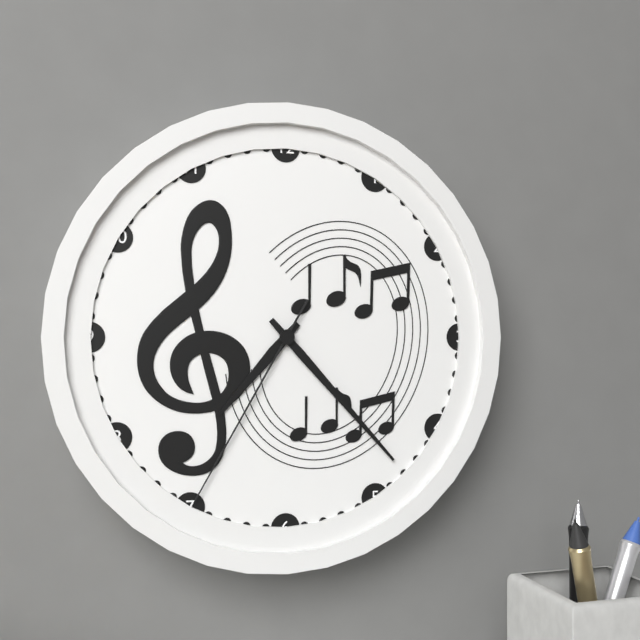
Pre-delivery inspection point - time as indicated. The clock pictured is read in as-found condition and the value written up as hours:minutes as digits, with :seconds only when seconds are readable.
7:23:35
